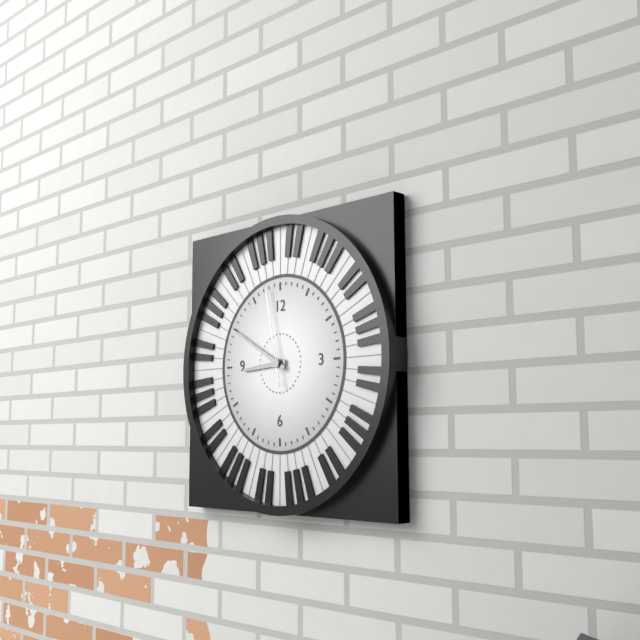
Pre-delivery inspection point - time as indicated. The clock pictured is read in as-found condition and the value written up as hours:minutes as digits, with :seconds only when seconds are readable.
8:50:58
